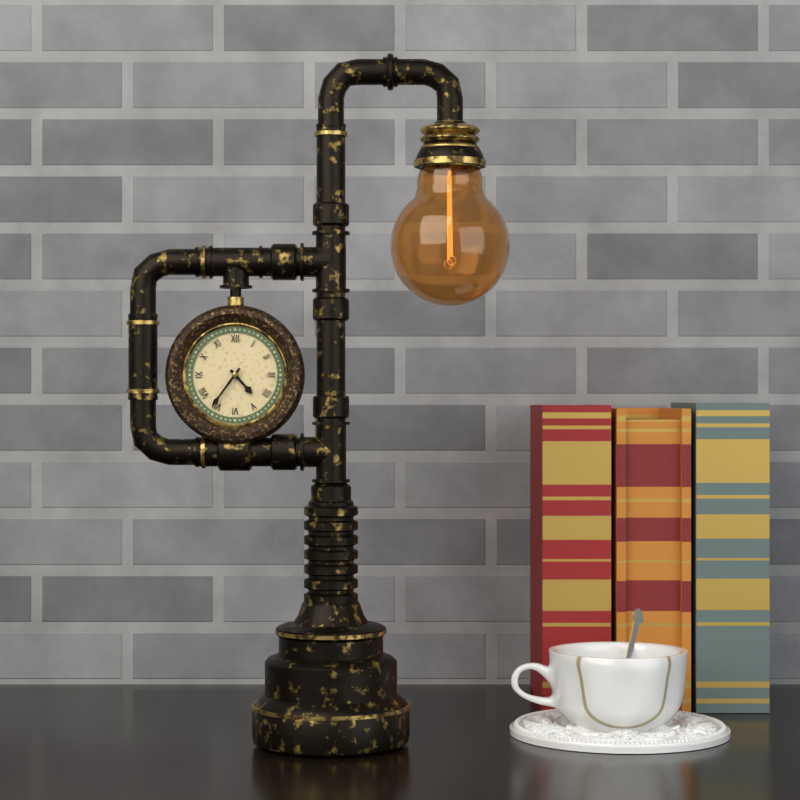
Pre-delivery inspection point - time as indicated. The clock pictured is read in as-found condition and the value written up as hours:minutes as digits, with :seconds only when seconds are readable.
4:36
